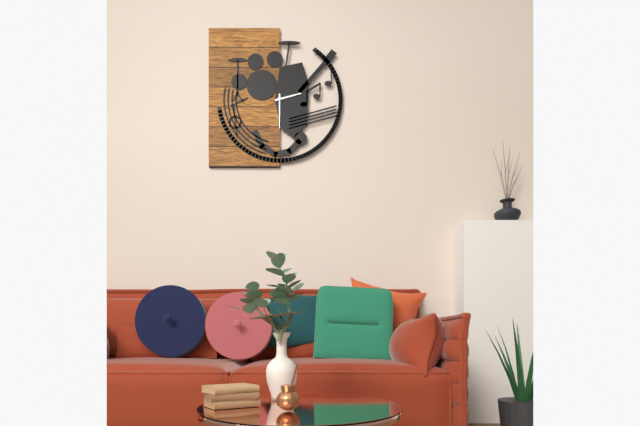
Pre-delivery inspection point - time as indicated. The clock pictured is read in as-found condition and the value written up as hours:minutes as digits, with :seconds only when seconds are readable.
2:30
